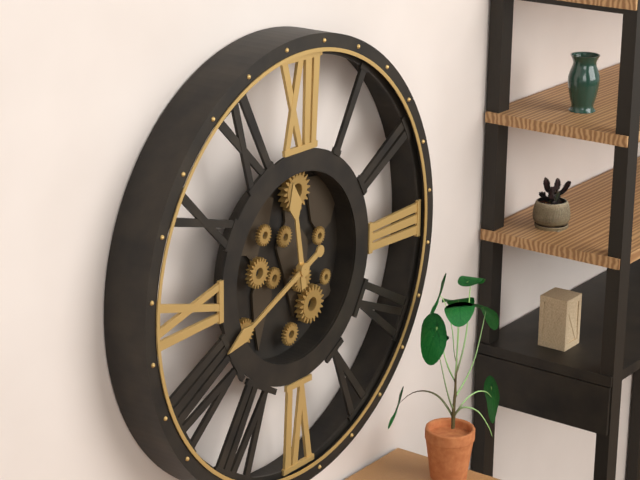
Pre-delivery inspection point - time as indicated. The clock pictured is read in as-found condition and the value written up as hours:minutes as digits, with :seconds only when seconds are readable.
11:41
